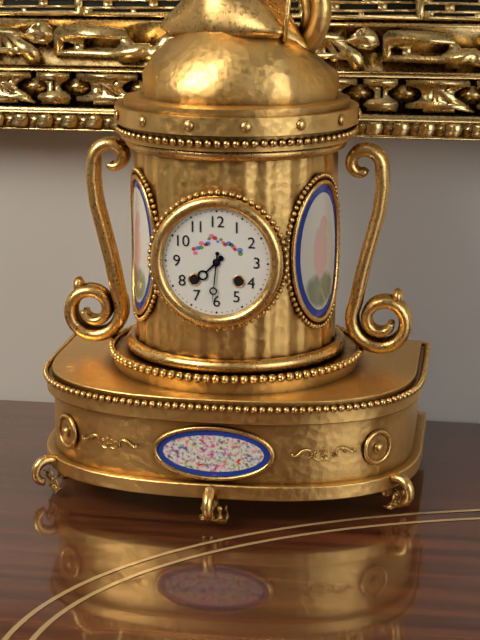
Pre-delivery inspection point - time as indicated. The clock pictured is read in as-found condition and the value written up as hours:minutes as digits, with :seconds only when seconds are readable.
7:31
